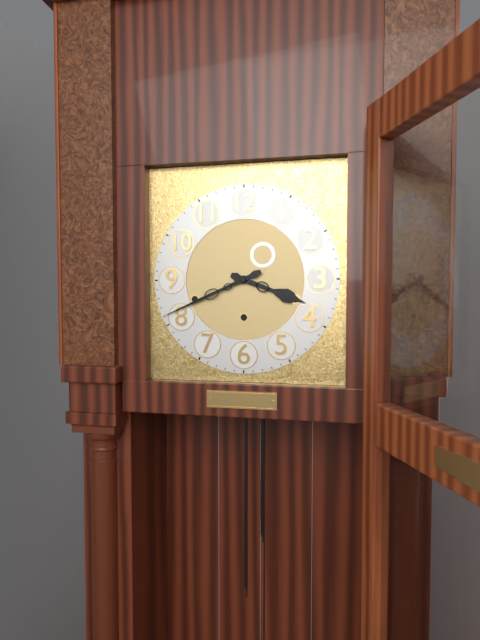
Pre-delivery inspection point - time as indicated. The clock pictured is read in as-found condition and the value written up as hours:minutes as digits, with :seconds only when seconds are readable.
3:41
